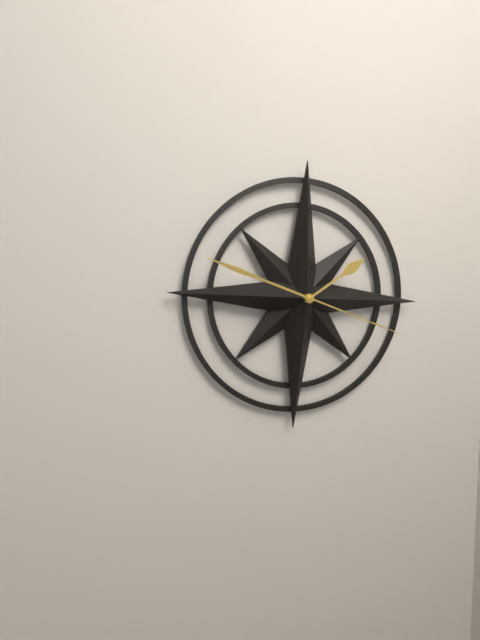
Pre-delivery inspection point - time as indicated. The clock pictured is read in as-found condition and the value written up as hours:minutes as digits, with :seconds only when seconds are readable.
1:48:18
